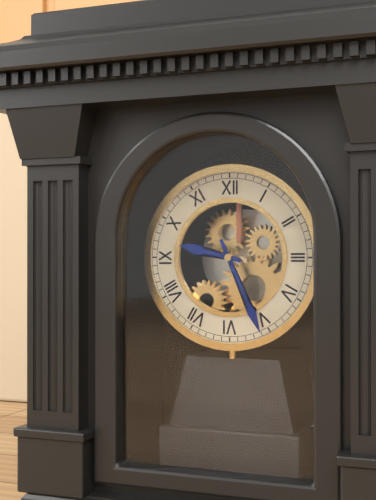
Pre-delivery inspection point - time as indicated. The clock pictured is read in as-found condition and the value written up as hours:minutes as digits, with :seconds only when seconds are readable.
9:26
